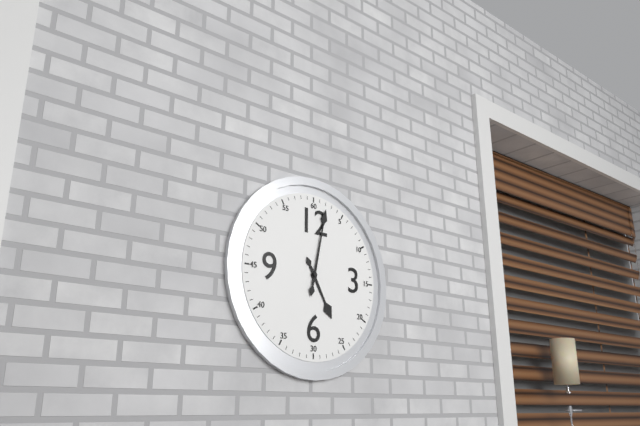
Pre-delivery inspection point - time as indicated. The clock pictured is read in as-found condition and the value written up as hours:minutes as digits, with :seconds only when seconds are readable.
5:02
